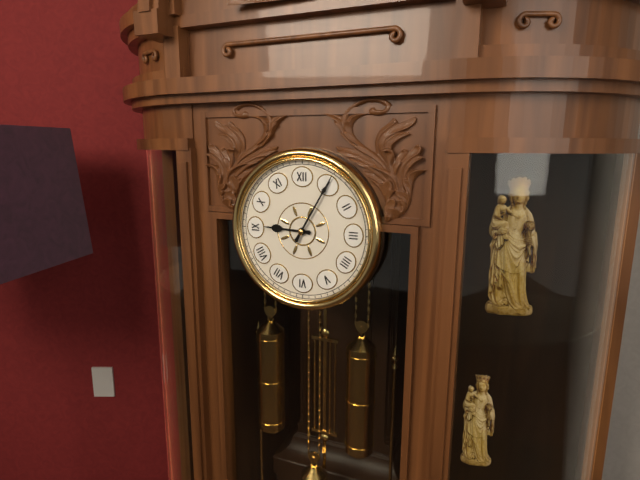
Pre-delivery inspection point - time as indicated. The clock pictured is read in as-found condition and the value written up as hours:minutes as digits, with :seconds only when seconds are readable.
9:05
